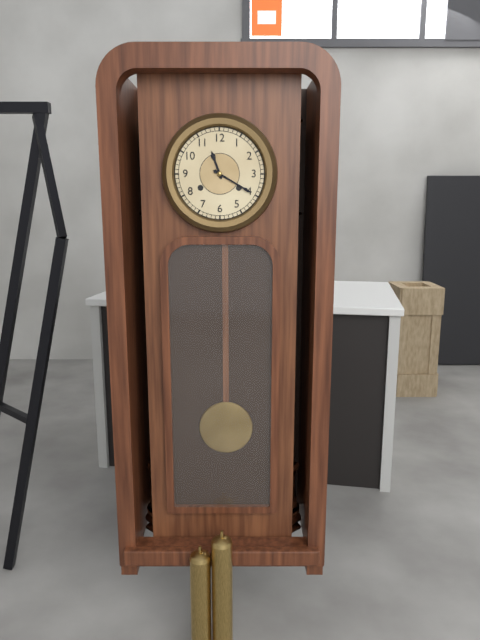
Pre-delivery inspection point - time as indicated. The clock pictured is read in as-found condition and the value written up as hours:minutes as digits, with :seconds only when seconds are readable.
11:20
